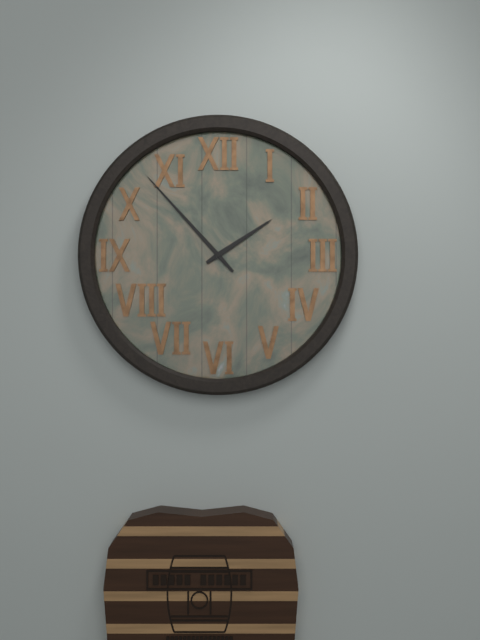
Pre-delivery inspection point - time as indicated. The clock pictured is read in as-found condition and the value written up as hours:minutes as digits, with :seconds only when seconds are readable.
1:53
